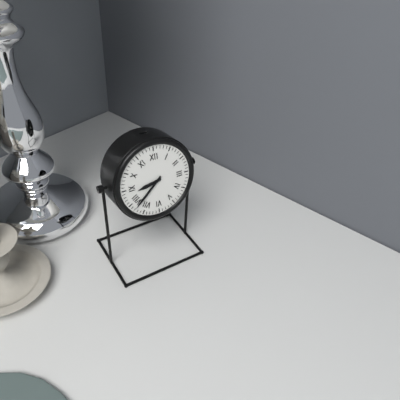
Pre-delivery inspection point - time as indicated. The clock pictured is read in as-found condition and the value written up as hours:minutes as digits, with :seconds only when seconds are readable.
8:38
